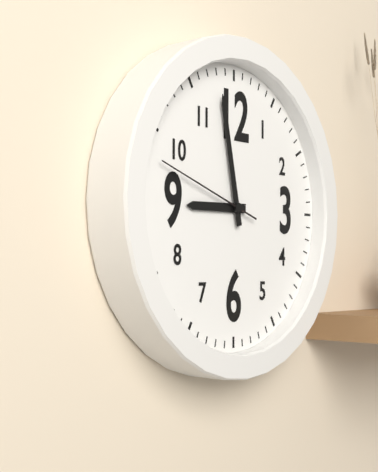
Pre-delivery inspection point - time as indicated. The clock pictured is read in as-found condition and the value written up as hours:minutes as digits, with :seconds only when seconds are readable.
8:58:48
